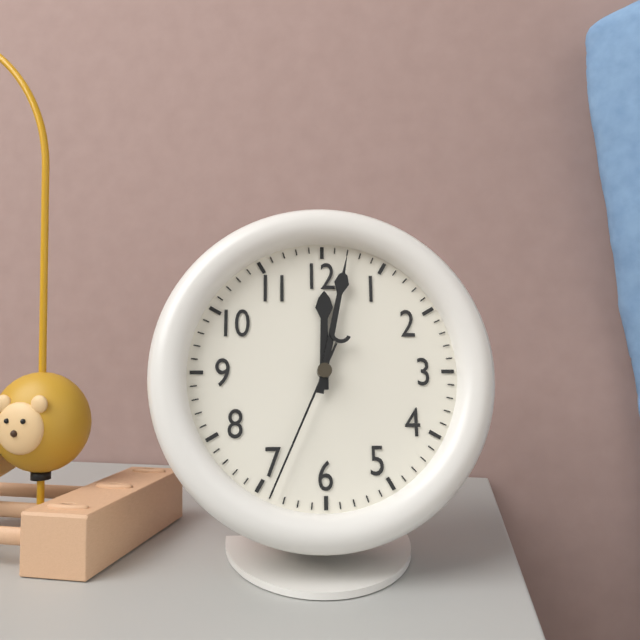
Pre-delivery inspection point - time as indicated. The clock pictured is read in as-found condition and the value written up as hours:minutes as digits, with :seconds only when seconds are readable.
12:02:34
